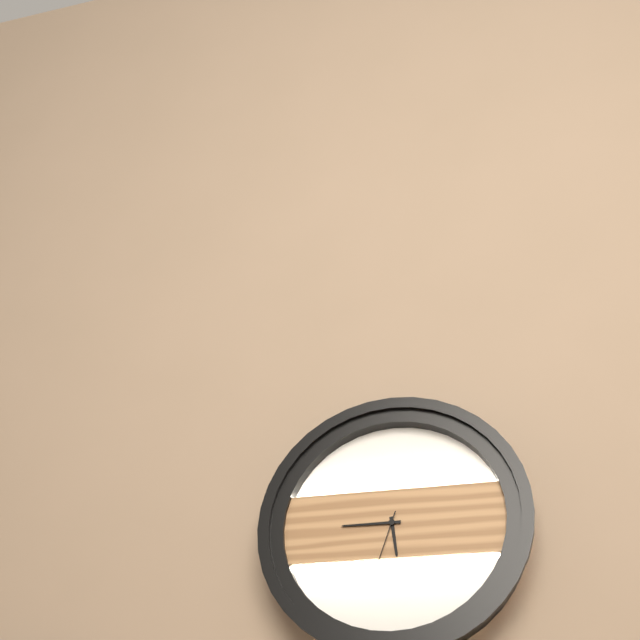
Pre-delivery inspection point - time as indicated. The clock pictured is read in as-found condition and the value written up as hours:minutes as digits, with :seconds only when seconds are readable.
5:45:33
